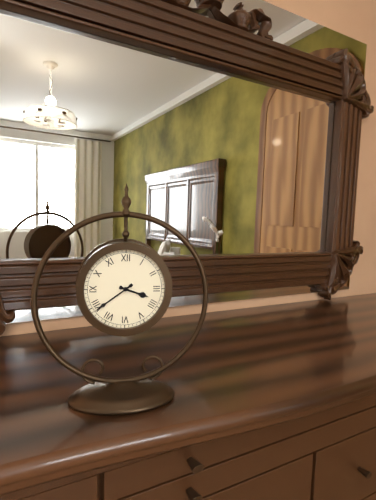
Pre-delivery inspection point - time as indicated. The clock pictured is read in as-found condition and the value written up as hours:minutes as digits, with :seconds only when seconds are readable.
3:39
